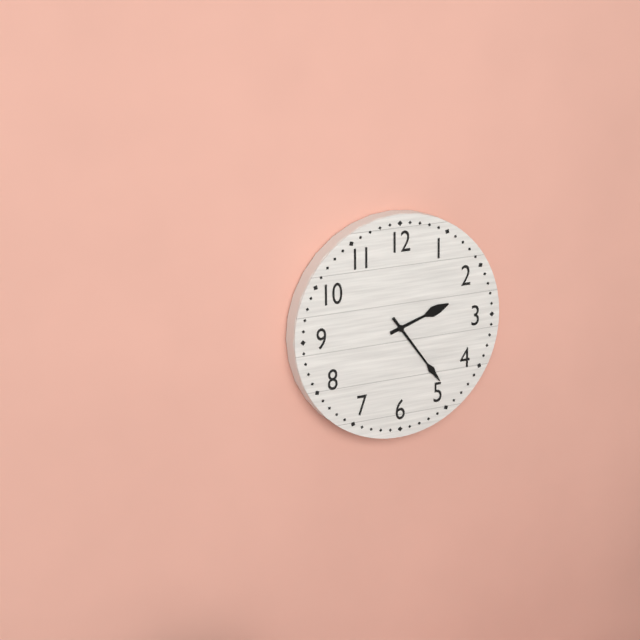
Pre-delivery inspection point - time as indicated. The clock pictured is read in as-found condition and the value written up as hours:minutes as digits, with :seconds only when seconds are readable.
2:24
